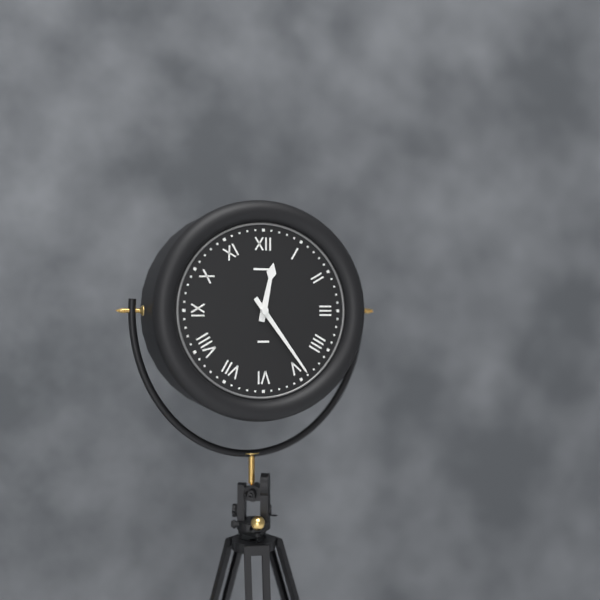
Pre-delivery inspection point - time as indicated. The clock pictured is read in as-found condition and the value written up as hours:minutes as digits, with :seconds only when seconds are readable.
12:24
